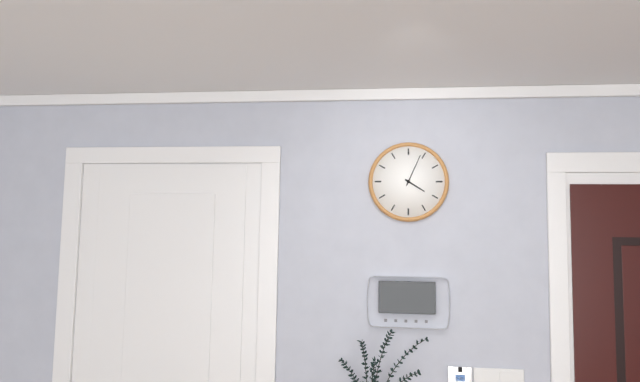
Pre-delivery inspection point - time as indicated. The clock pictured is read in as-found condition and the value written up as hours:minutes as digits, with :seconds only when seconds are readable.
4:04
